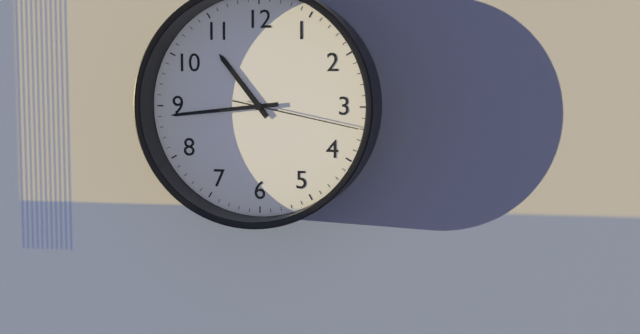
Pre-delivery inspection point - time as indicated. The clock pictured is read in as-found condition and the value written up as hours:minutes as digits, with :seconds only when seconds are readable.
10:44:17
